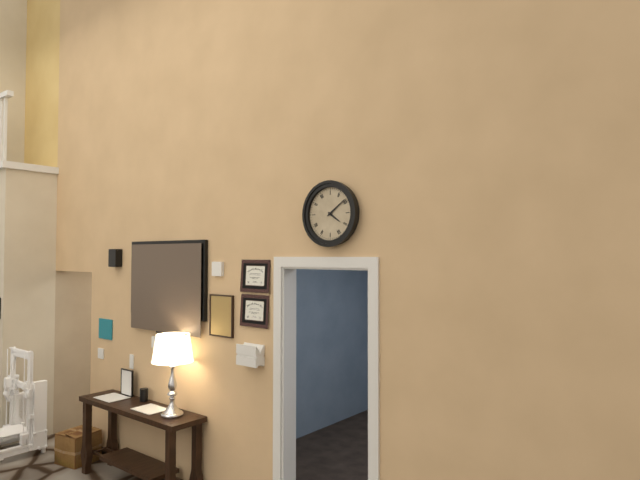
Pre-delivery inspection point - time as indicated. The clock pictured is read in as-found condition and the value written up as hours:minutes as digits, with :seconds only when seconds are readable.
4:09
